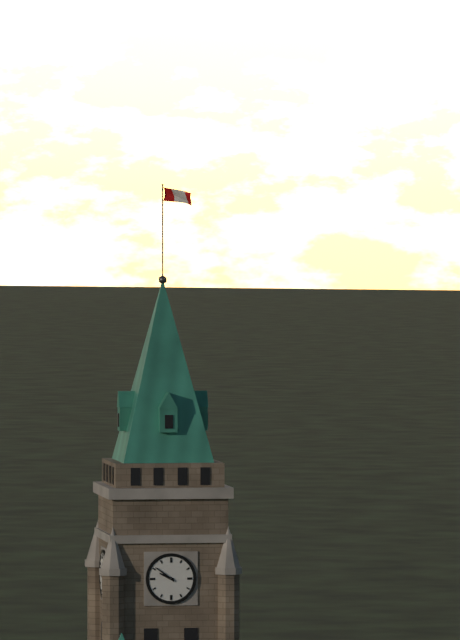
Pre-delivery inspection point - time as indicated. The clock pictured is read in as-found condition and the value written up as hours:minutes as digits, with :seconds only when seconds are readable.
9:51
